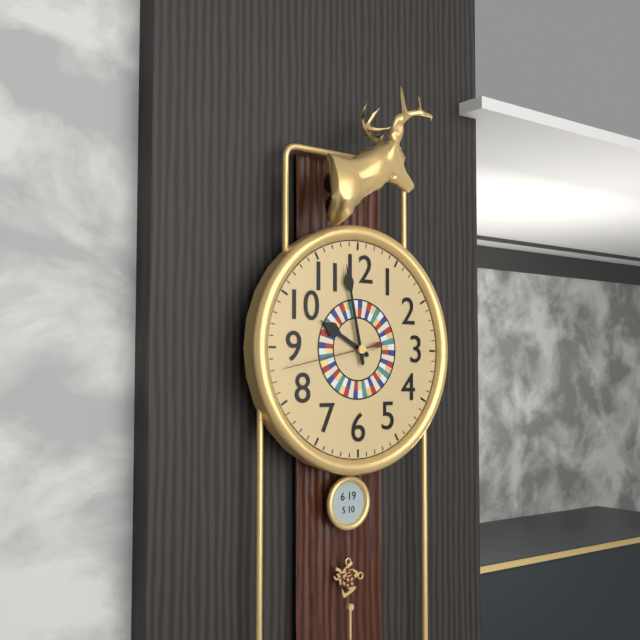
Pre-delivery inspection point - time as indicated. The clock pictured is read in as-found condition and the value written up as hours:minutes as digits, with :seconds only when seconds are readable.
9:58:43
